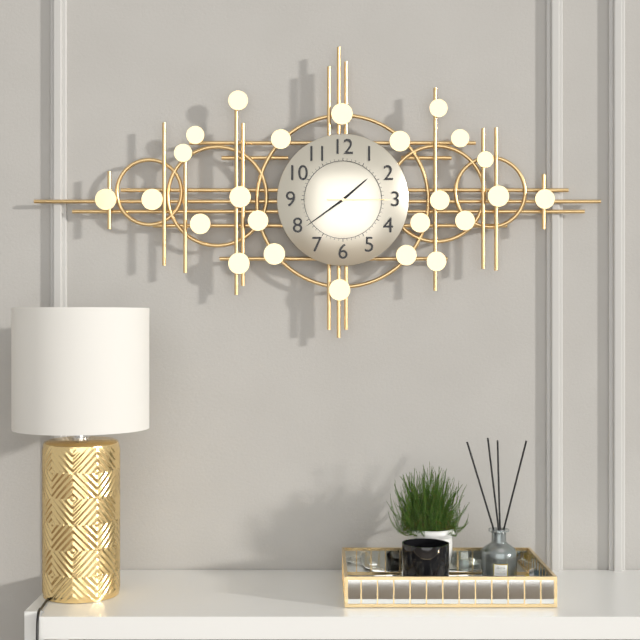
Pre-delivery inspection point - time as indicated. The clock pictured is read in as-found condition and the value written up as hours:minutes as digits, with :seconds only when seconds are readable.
1:39:15
